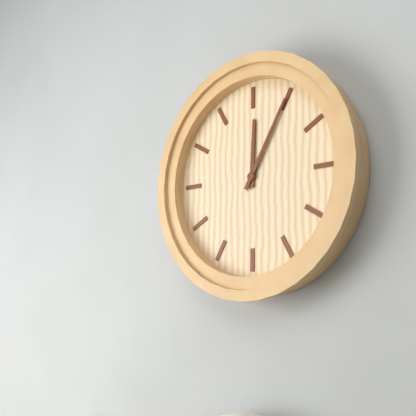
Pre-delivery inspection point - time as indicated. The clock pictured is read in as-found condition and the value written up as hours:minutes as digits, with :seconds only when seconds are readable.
12:05
